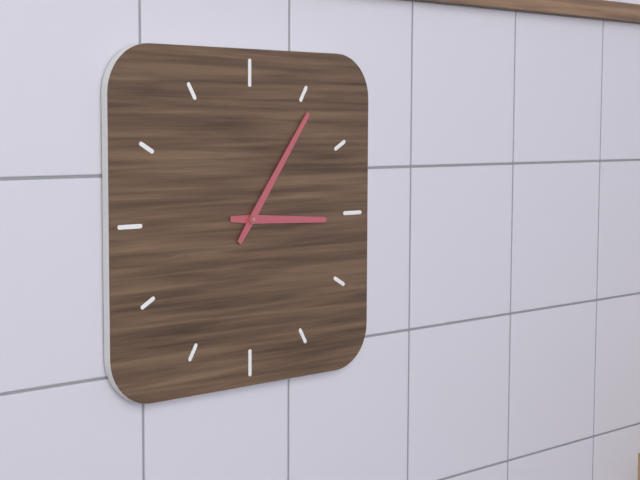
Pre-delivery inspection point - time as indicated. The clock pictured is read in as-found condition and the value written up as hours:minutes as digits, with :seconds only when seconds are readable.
3:06
